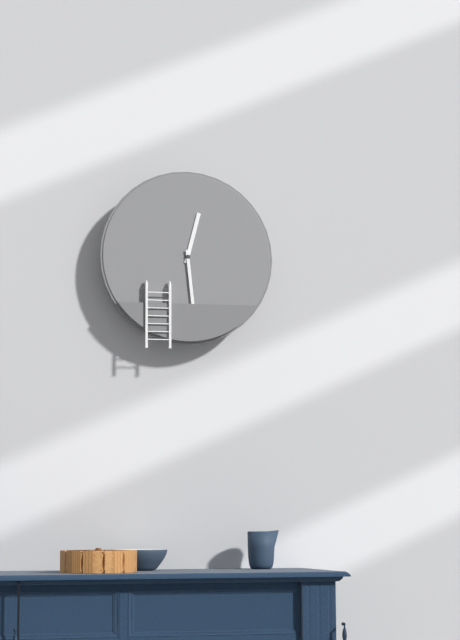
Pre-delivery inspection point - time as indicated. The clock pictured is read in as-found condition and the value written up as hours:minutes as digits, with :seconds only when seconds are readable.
12:29
